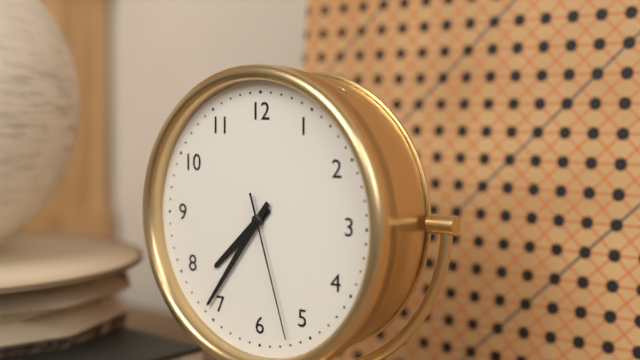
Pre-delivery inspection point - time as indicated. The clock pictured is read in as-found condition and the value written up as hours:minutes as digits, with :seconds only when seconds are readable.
7:36:27
